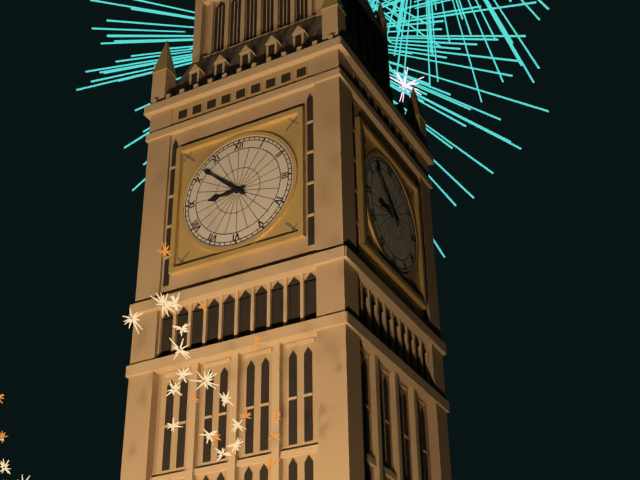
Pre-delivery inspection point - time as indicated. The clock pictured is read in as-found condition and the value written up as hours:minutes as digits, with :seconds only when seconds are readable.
8:52
